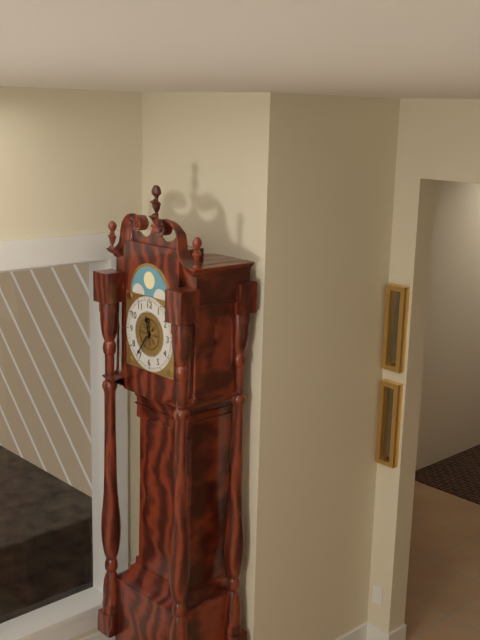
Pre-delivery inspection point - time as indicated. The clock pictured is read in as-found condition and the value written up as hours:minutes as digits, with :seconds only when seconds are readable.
11:36
